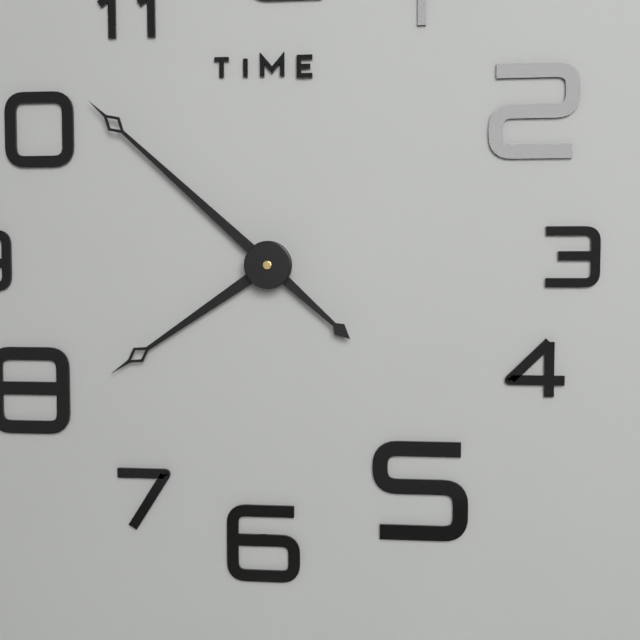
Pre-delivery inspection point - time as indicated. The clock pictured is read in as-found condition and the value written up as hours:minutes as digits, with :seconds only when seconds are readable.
7:52
